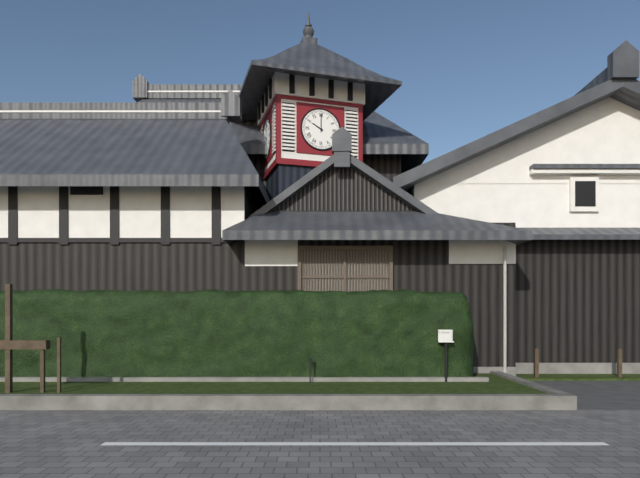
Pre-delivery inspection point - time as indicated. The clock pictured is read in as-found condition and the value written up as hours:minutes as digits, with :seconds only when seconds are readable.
10:00
